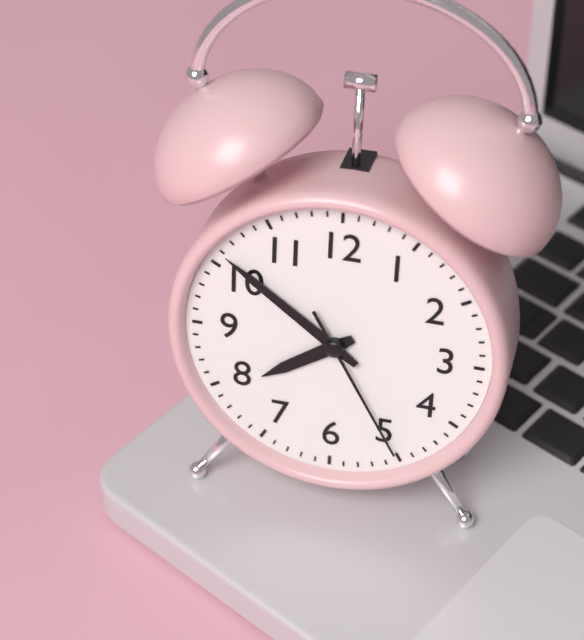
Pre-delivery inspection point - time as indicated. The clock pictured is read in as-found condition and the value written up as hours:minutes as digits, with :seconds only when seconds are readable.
7:51:25
